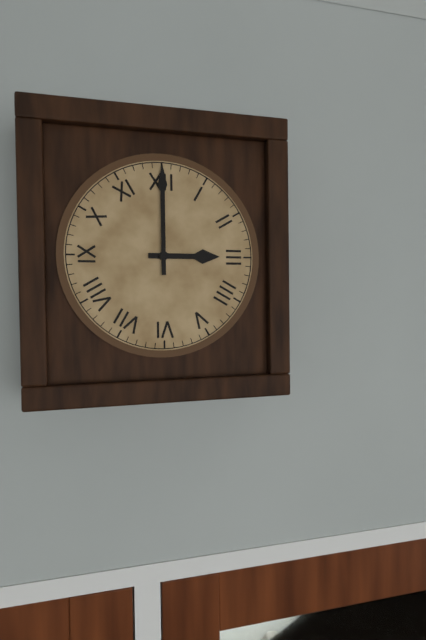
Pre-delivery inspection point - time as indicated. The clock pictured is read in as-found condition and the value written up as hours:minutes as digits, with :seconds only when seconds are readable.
3:00
